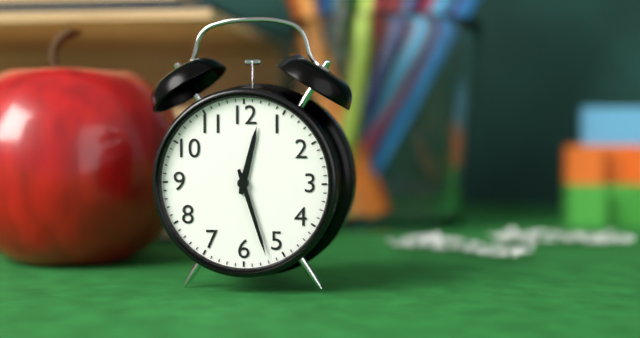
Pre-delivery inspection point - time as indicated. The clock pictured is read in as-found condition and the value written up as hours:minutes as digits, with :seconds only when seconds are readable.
12:27
